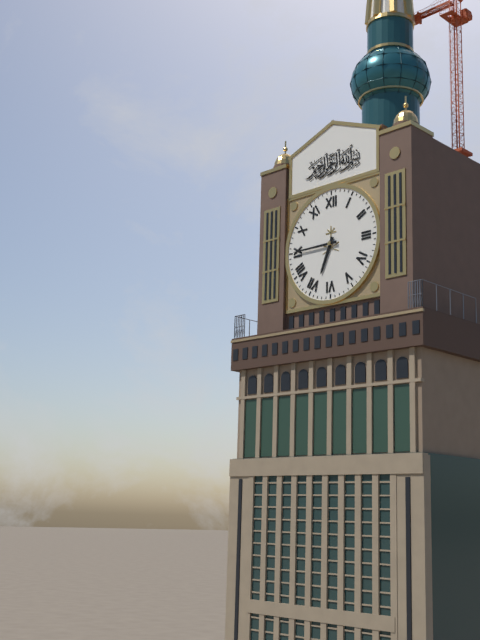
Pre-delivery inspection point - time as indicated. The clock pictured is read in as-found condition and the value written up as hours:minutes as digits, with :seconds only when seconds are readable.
6:45
